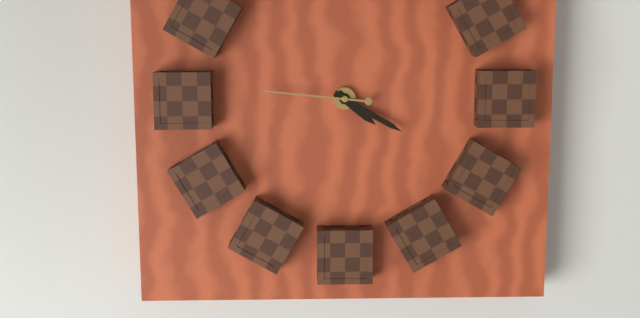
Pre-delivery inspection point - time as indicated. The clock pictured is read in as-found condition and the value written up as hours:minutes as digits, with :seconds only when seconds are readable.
4:20:46
